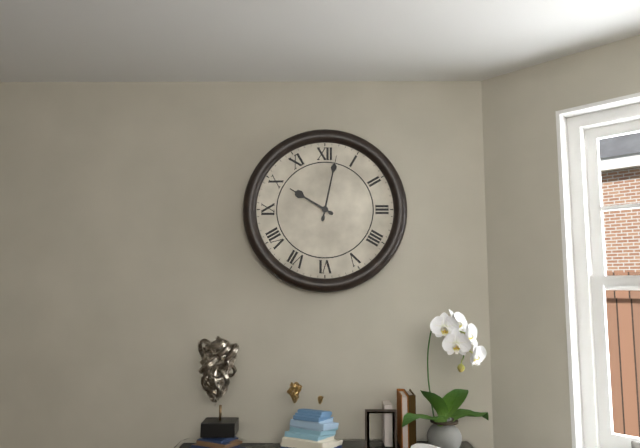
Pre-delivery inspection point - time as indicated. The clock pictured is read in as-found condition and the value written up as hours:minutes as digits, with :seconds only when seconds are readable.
10:02
